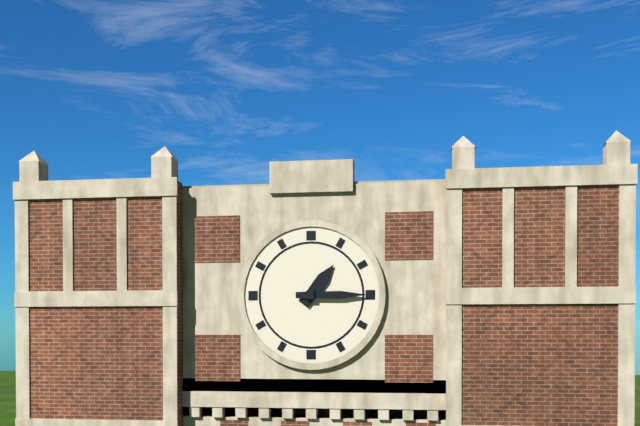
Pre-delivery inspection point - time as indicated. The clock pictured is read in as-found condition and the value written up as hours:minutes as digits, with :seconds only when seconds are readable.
1:15
